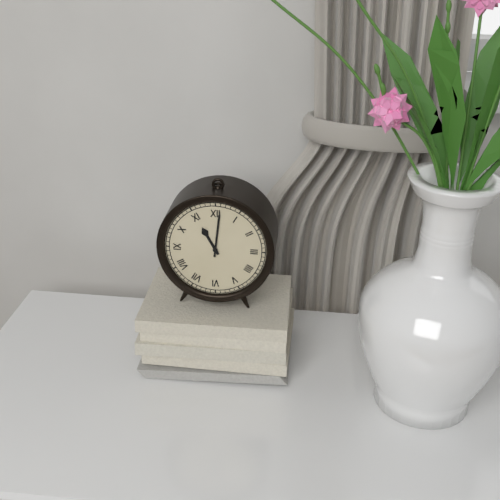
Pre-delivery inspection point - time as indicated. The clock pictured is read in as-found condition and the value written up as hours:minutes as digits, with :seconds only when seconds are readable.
11:01
